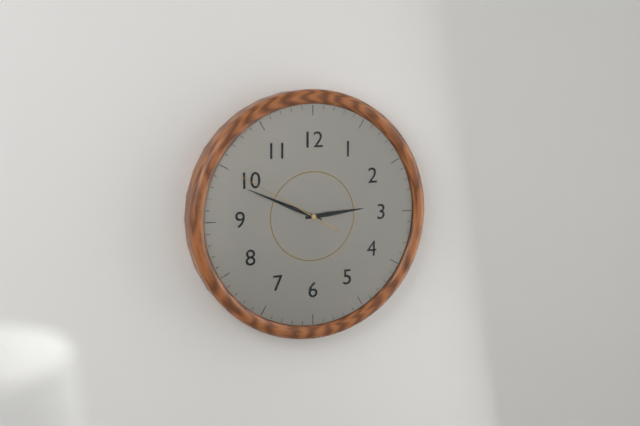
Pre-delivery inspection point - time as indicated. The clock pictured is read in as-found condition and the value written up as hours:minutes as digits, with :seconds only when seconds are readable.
2:49:50
